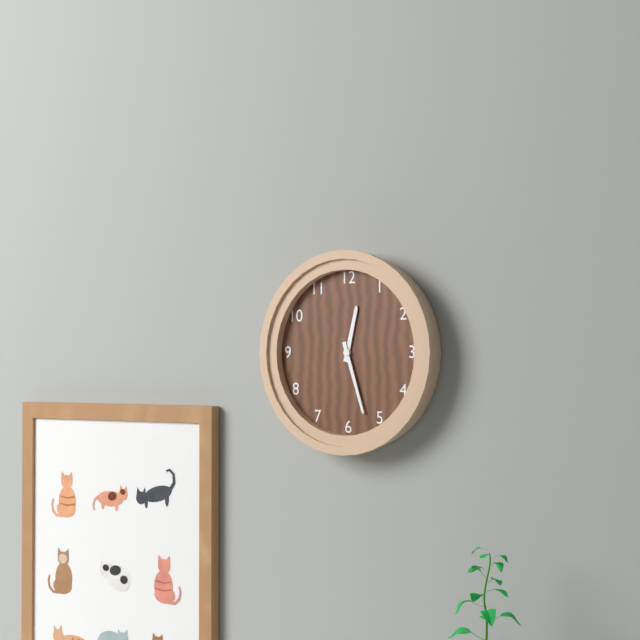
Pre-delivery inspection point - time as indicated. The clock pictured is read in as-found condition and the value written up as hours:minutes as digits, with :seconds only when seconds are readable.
12:27
